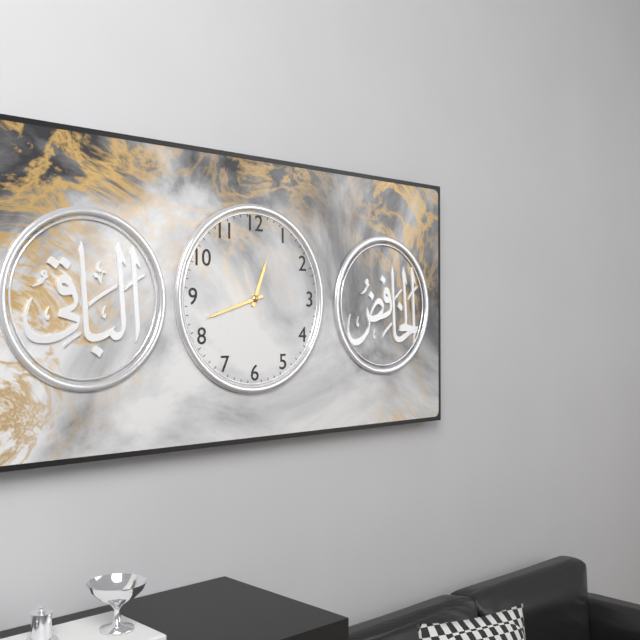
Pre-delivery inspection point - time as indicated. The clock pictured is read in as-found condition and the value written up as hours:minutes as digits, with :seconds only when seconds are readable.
12:42
